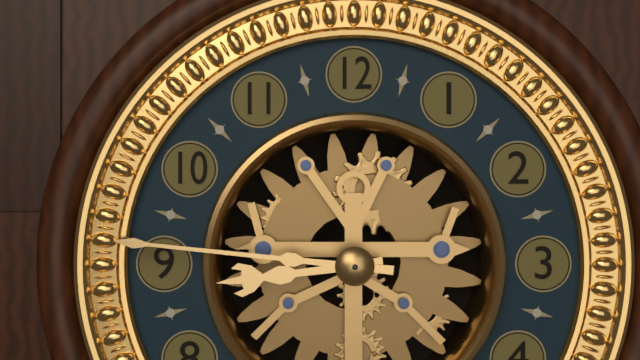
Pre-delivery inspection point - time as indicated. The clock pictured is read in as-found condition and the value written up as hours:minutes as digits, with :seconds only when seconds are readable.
8:46
